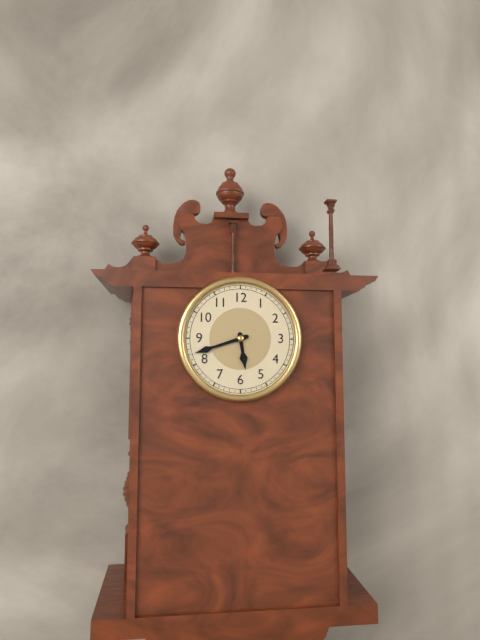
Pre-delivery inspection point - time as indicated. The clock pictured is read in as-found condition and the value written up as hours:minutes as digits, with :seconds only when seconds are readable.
5:42
